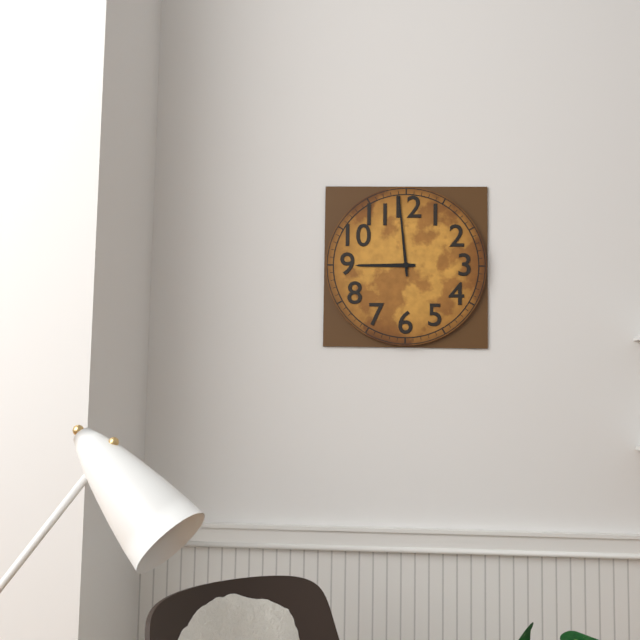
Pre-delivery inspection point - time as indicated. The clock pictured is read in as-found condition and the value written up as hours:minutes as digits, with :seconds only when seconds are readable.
8:59
